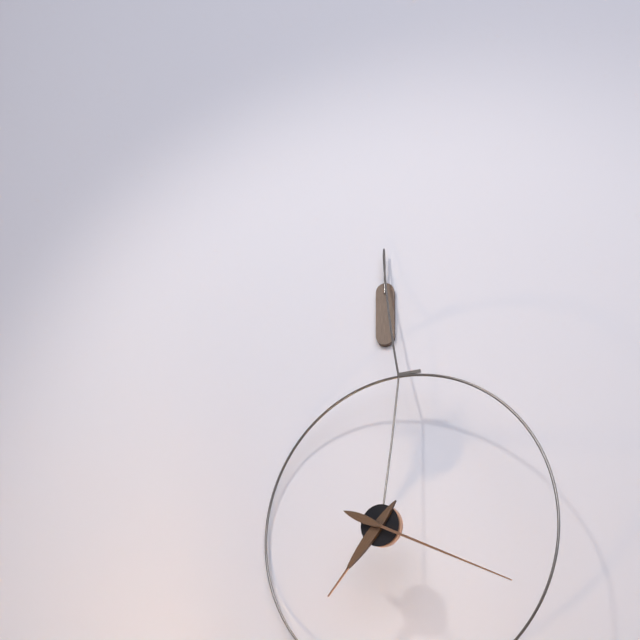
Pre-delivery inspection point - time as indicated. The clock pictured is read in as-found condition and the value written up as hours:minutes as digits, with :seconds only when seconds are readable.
7:19
